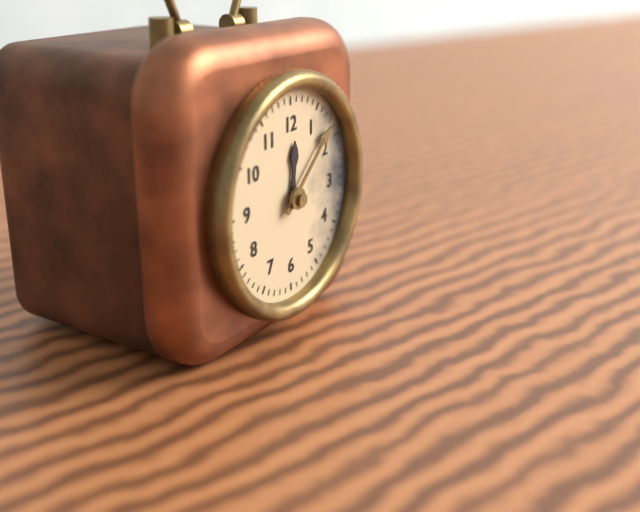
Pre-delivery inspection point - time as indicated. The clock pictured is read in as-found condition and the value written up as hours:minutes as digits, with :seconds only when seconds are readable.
12:08
